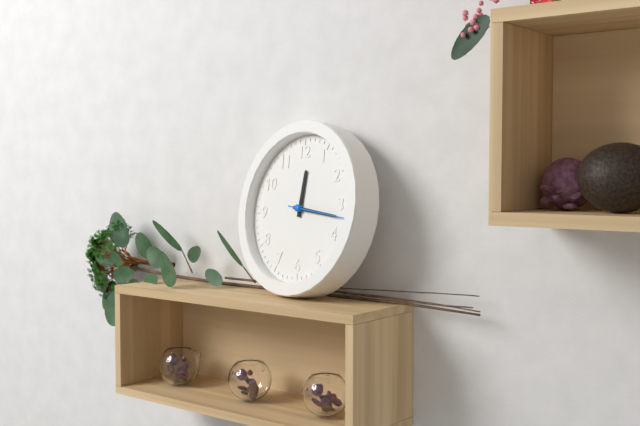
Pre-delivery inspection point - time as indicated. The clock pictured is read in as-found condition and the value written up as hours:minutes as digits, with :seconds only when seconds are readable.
12:17:17
